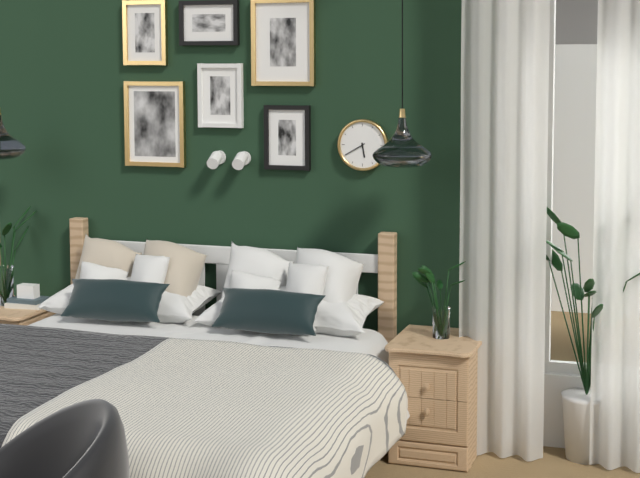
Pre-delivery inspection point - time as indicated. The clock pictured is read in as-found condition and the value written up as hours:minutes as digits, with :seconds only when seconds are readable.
5:40
